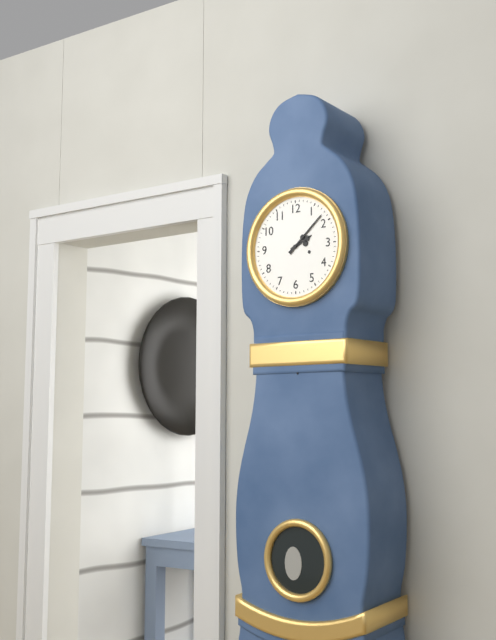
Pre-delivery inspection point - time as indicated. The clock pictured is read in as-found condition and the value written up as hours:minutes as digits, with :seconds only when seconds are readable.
2:08
